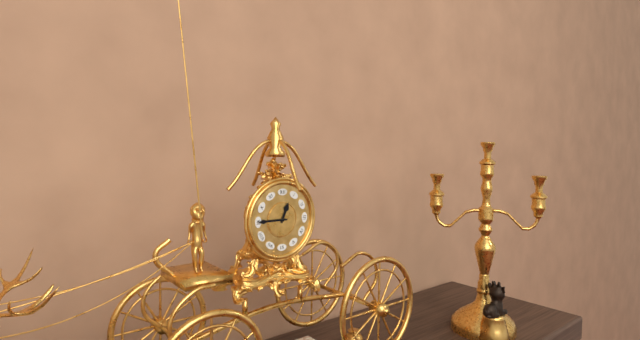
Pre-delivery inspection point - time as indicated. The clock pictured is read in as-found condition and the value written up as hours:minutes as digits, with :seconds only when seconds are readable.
12:45
